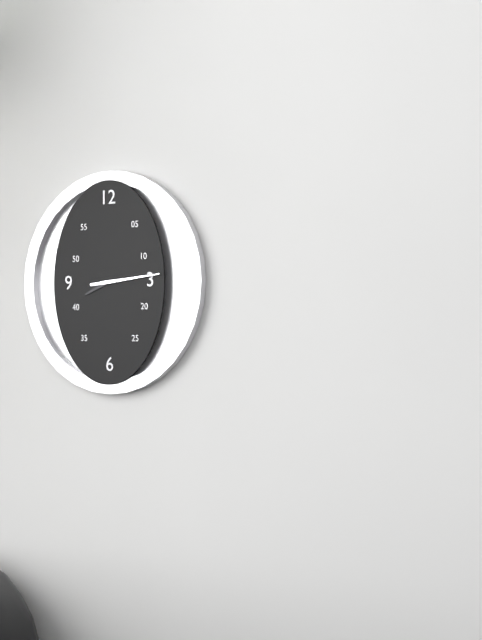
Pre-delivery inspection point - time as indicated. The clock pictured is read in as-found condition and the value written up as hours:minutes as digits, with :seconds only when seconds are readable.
8:14
